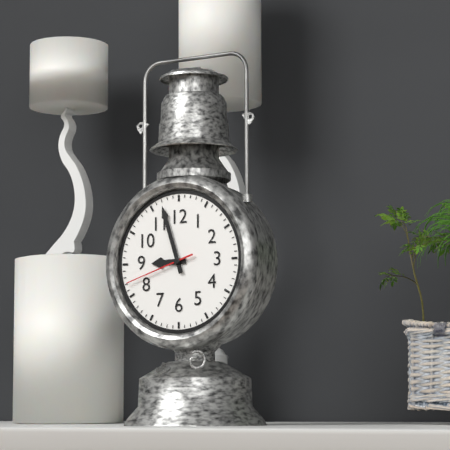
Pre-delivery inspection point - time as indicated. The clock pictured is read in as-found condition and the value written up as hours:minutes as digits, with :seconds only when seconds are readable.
8:57:42
